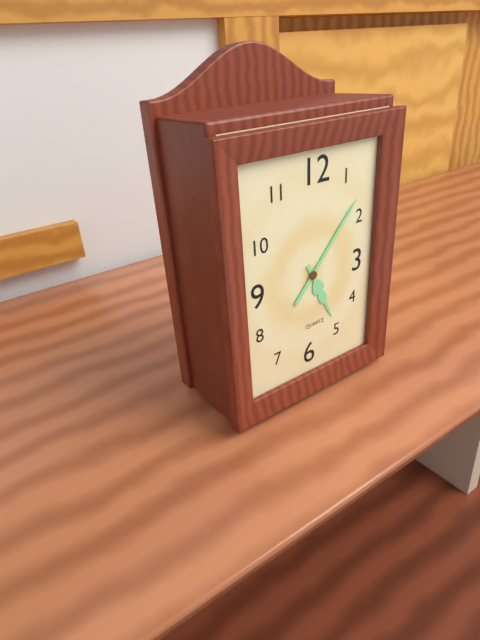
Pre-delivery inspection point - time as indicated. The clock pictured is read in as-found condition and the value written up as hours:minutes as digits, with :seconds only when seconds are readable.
5:07
